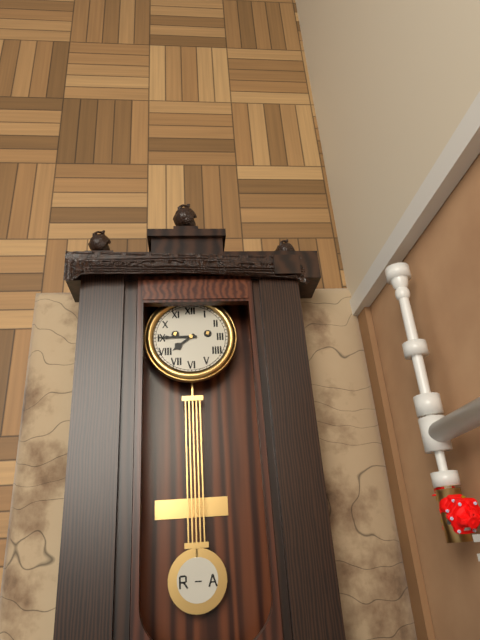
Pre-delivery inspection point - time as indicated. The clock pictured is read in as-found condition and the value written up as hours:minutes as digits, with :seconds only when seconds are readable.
7:45
